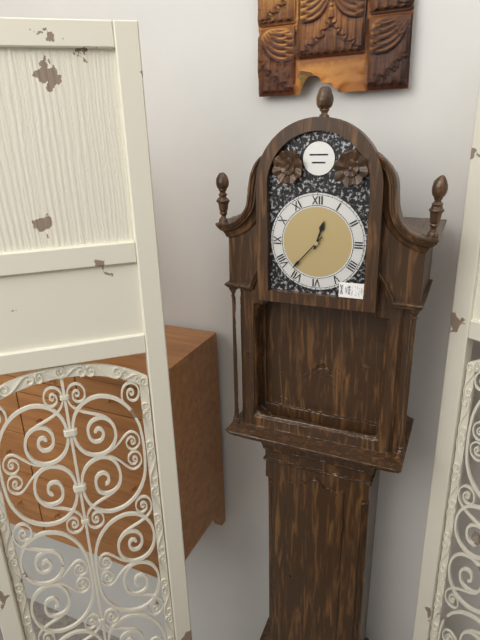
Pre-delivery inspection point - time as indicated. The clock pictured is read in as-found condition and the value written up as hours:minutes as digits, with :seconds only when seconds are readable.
12:37
